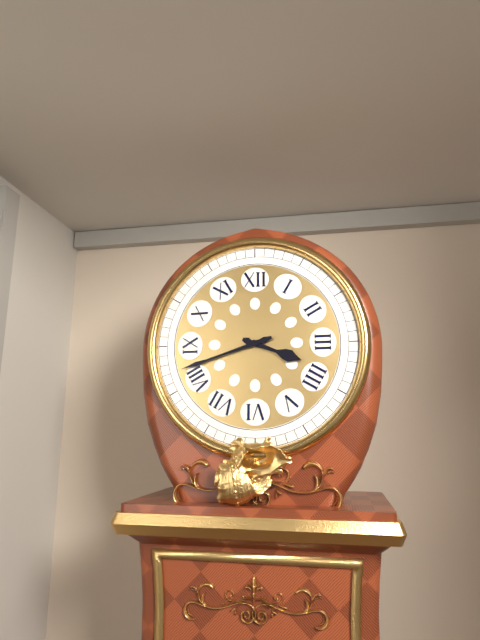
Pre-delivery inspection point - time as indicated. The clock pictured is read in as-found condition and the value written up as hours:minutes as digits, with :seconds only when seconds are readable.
3:42
